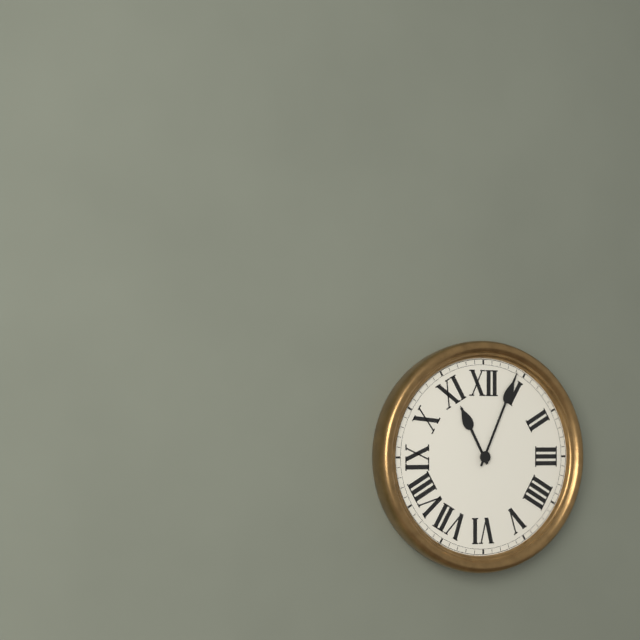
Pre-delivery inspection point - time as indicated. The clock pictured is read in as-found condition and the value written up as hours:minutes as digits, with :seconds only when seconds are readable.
11:04
